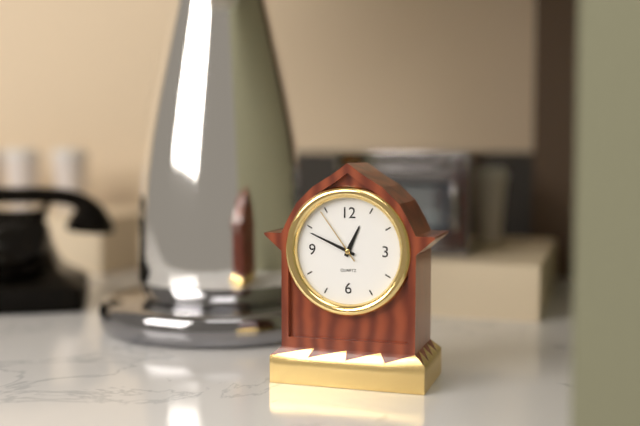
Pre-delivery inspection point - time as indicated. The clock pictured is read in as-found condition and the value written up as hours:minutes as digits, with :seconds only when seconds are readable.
12:49:54
